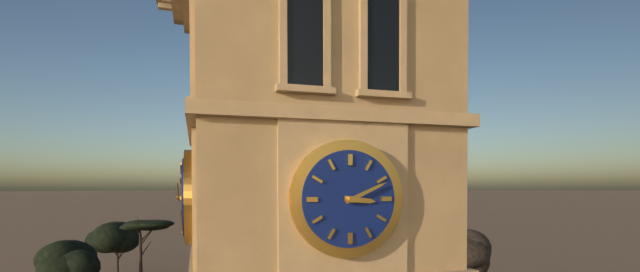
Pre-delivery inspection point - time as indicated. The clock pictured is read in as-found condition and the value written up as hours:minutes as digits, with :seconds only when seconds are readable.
3:11
